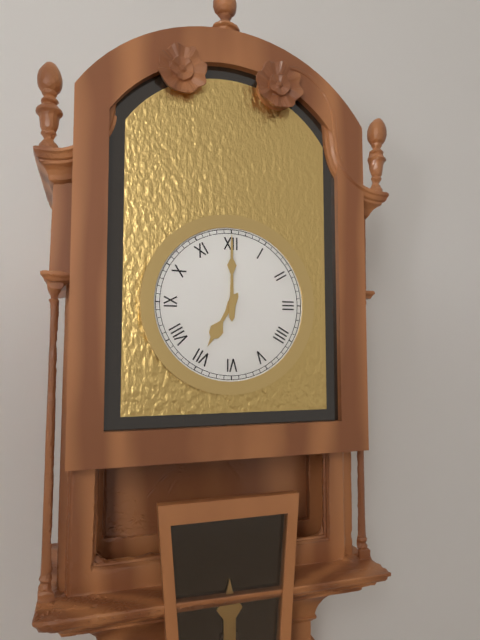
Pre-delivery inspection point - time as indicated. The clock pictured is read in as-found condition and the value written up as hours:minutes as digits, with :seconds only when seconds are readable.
7:00
